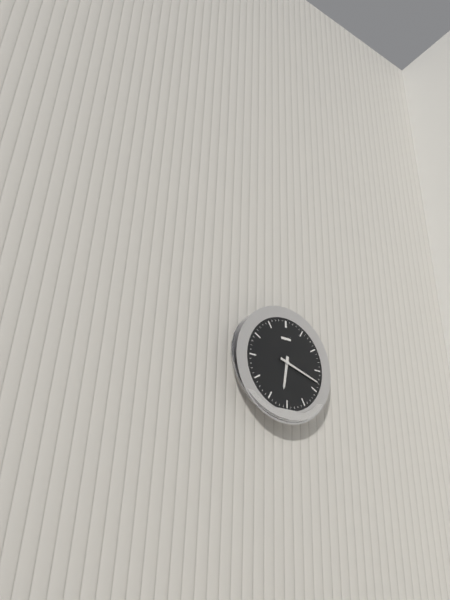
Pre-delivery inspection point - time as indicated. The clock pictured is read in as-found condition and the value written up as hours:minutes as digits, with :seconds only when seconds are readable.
6:18
